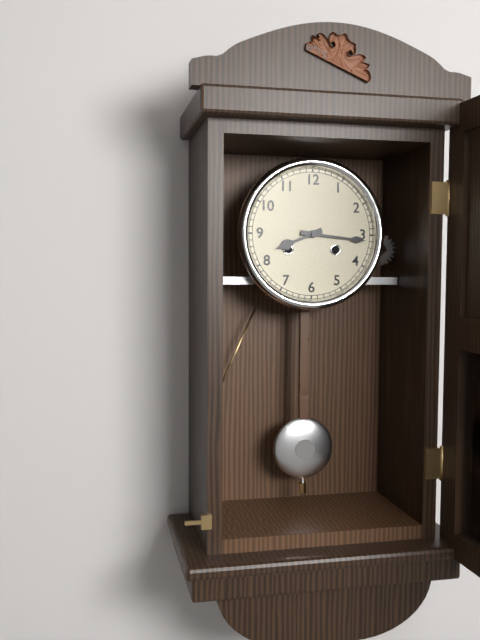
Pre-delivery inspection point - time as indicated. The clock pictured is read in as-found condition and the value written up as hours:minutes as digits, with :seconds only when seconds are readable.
8:16
